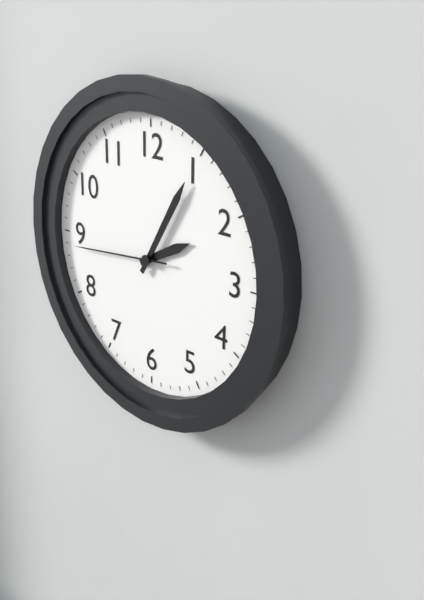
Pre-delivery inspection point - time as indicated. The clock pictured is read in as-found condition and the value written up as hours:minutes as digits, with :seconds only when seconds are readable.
2:05:44
